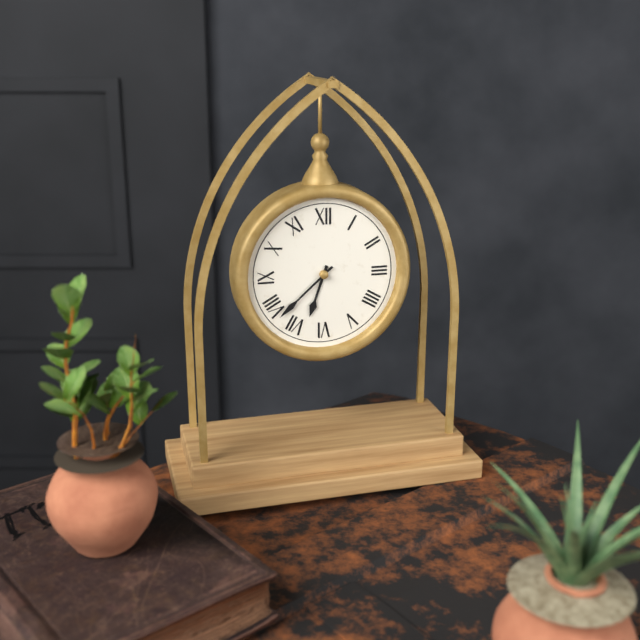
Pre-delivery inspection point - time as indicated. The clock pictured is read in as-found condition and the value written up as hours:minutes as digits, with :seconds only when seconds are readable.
6:38
